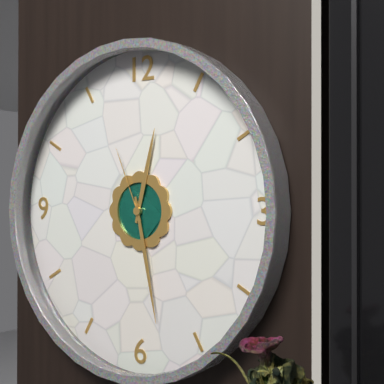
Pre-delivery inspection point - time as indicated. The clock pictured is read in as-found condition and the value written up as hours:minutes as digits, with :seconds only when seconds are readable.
12:28:56
